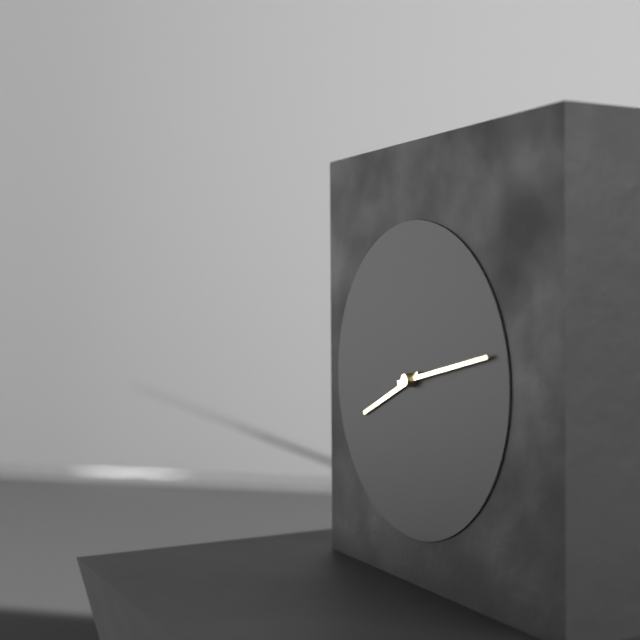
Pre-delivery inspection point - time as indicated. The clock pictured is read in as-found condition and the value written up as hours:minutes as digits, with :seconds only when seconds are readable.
8:13
